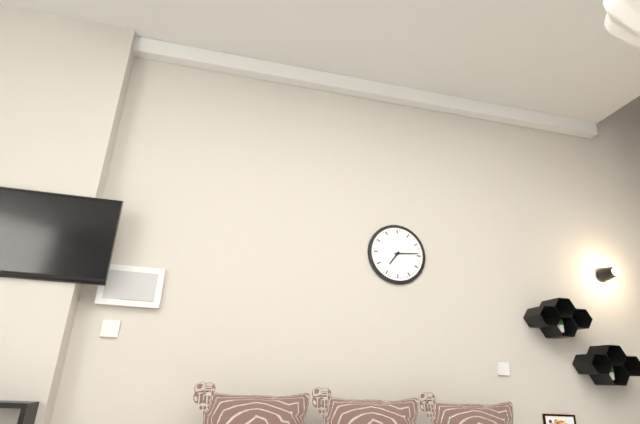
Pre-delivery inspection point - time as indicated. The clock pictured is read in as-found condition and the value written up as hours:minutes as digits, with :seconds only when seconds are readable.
7:14
